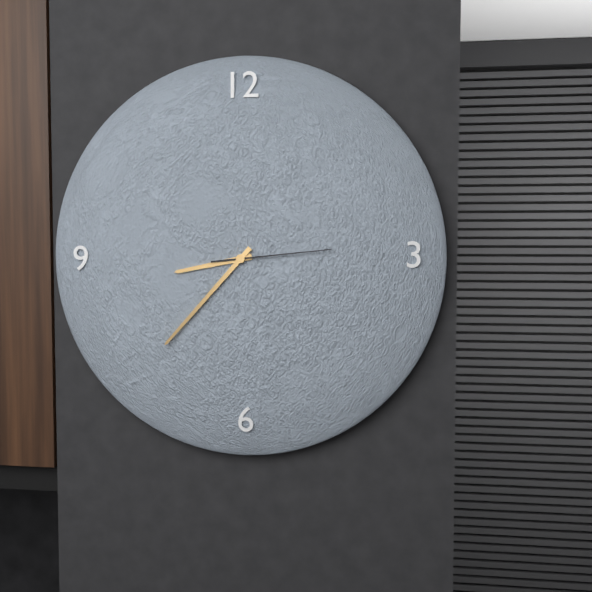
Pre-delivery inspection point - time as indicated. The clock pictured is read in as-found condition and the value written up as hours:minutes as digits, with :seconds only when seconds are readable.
8:37:14
